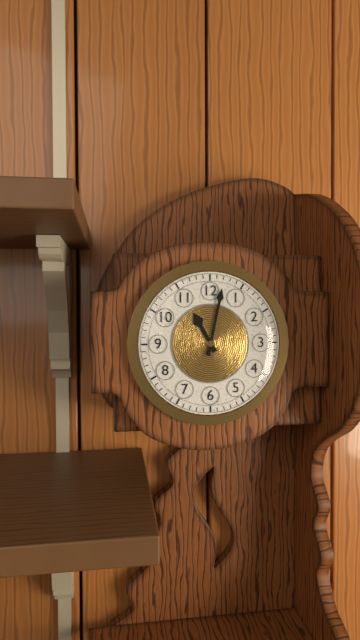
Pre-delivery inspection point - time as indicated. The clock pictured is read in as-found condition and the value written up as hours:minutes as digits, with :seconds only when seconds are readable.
11:02
